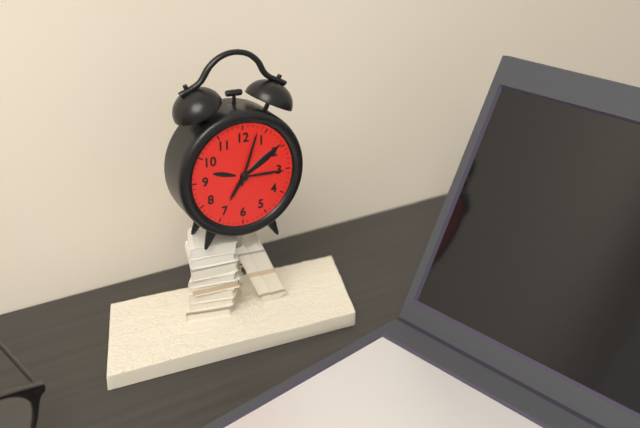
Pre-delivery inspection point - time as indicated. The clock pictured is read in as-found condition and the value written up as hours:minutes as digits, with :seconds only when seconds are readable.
7:03
